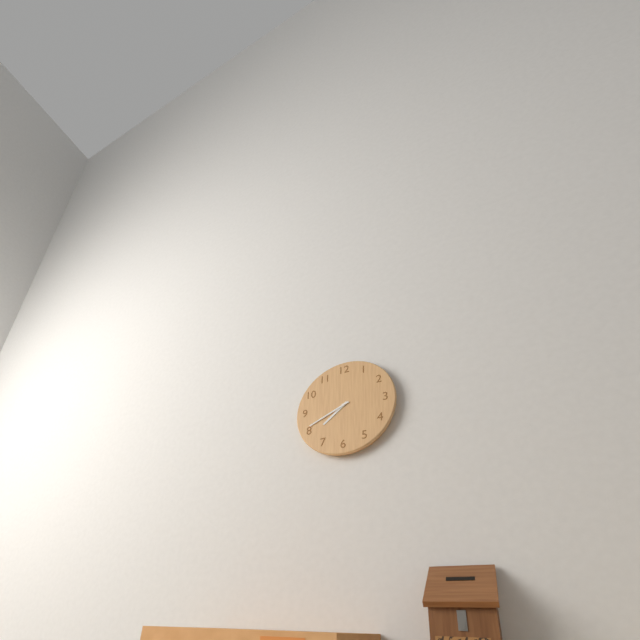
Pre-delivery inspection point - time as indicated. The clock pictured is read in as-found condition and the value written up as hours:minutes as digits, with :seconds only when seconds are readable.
7:41
